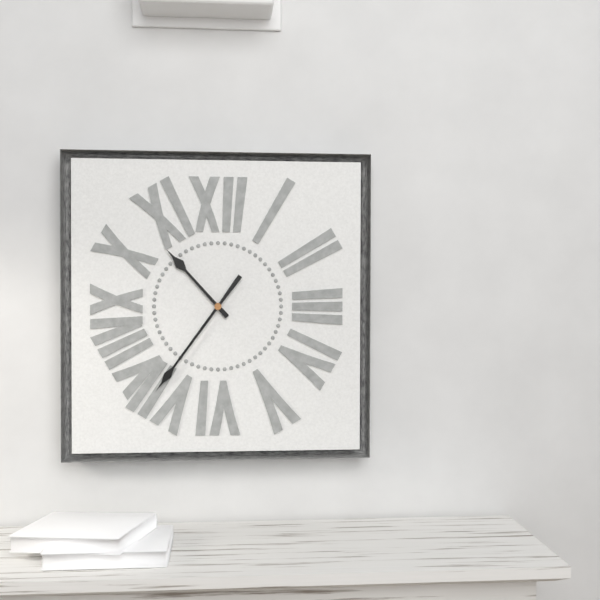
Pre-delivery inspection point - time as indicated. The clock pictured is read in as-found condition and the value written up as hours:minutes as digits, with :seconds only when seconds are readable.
10:36
